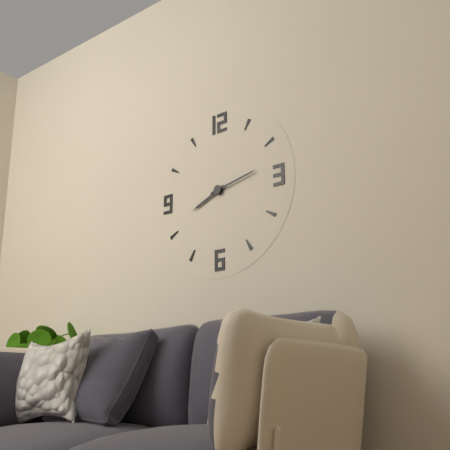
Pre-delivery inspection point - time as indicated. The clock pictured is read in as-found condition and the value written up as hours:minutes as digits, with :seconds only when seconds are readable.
8:13
